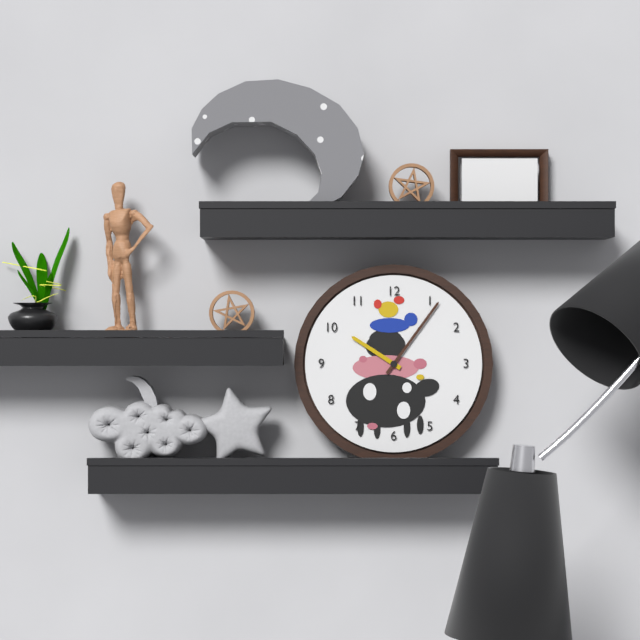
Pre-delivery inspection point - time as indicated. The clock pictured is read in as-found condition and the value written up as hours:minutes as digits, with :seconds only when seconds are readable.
10:06
